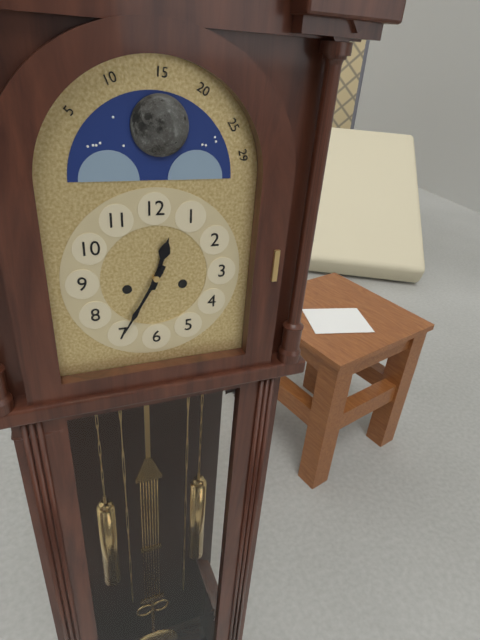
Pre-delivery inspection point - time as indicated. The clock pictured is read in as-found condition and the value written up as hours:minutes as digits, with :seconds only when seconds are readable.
12:35
